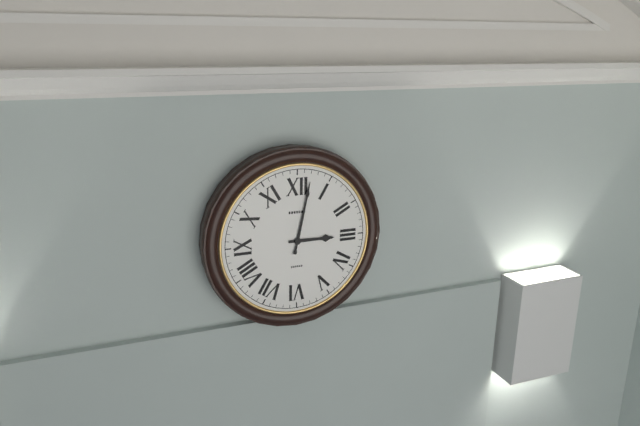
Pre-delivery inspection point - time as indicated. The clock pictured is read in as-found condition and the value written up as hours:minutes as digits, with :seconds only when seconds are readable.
3:02
